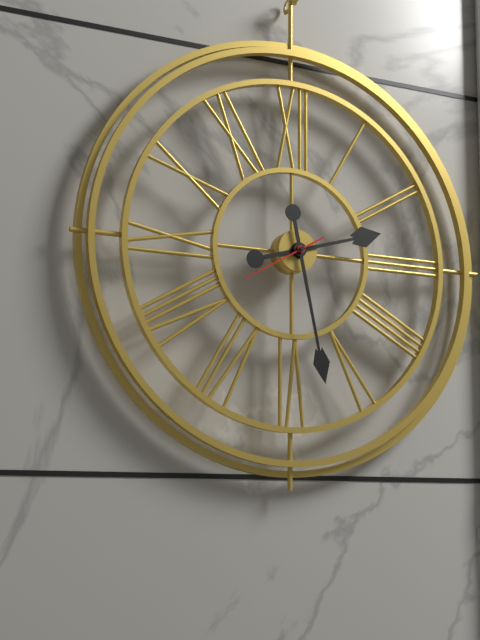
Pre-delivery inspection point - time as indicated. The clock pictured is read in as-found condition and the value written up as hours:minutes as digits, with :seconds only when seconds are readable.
2:28:40
